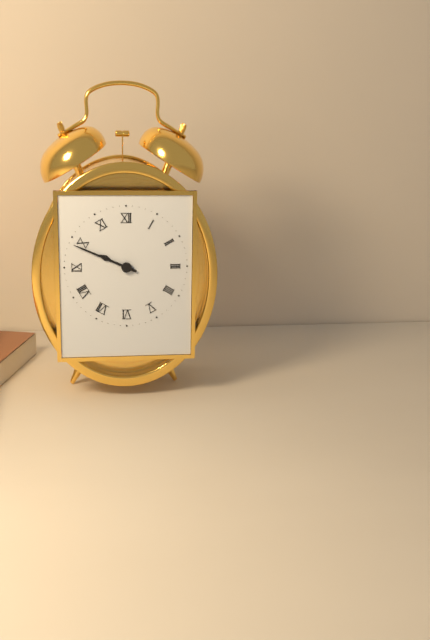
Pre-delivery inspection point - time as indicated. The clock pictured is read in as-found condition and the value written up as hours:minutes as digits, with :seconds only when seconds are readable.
9:49
